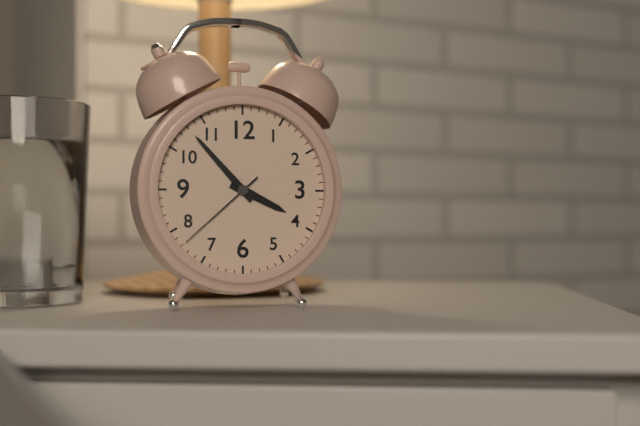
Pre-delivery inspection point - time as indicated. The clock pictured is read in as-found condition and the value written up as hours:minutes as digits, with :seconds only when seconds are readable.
3:53:38
